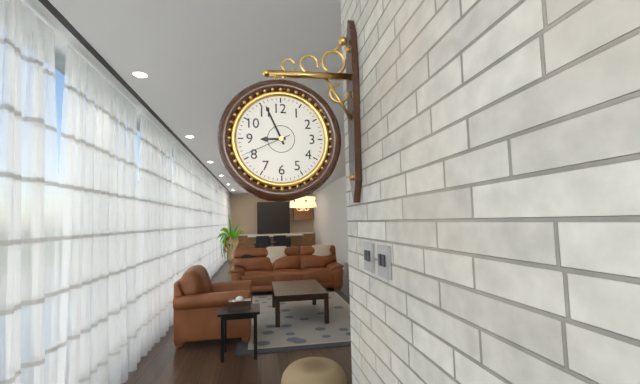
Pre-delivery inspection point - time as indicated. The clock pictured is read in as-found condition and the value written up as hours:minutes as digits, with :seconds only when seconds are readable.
8:56
